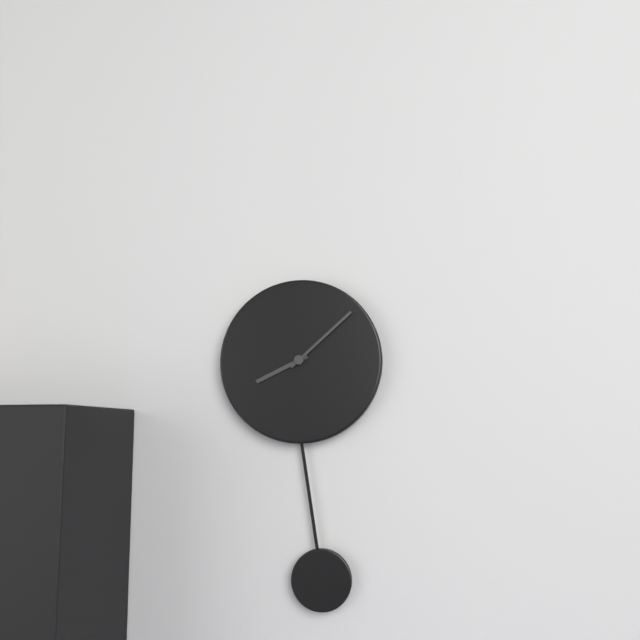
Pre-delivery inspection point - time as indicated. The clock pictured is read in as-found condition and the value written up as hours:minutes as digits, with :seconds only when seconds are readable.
8:08
